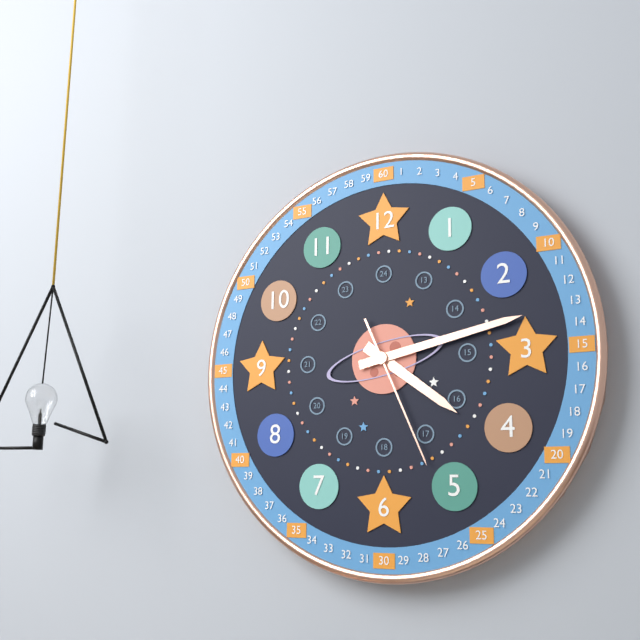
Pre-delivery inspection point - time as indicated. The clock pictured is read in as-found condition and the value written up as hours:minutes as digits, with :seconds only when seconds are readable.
4:13:26
